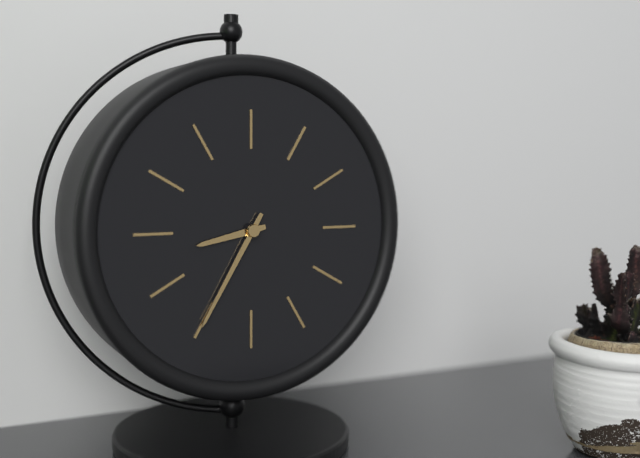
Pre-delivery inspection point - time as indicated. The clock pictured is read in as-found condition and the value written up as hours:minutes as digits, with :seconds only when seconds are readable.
8:35
